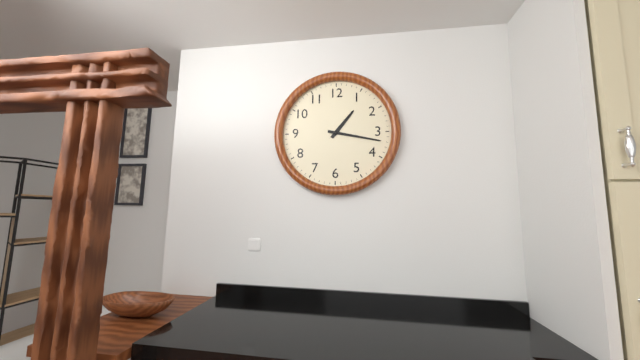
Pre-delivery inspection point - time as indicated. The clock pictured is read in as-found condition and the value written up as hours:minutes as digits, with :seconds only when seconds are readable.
1:17
